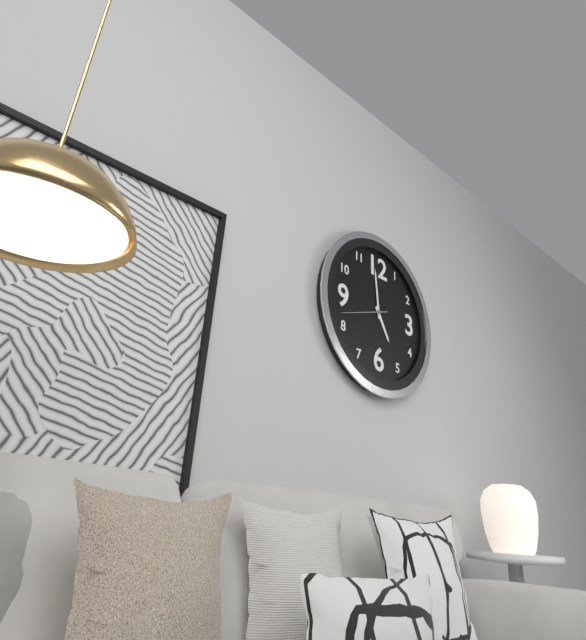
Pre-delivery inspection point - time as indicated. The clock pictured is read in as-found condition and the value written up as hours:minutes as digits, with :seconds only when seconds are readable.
4:59
